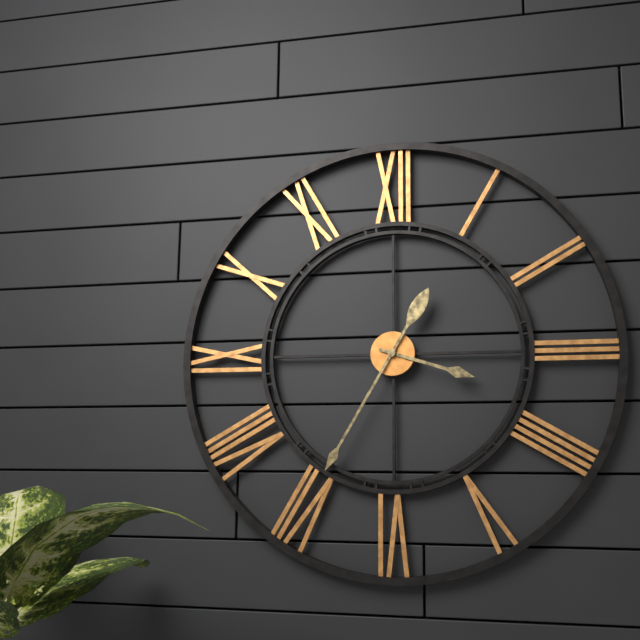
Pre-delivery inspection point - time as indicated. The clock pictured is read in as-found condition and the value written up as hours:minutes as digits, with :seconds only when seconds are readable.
3:35
